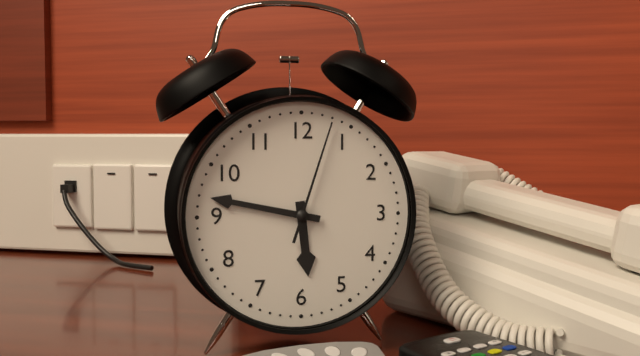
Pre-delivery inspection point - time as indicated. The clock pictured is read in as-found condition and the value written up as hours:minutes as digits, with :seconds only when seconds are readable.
5:47:03
